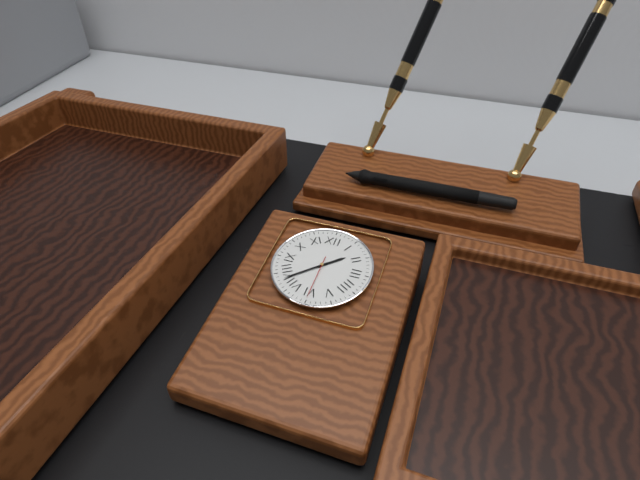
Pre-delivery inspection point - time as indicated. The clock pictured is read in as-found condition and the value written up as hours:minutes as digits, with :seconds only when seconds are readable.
1:38
